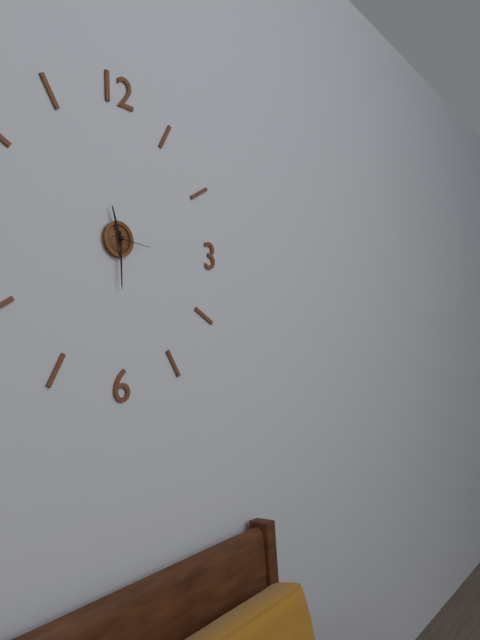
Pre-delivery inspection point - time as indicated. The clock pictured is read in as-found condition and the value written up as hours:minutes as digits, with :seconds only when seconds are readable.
11:30
